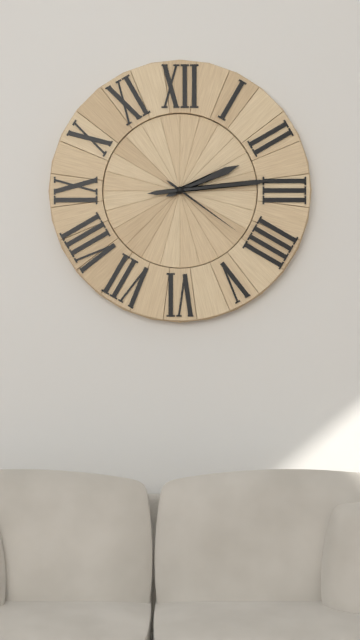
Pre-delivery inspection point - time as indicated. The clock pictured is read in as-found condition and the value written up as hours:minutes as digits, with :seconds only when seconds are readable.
2:14:21
